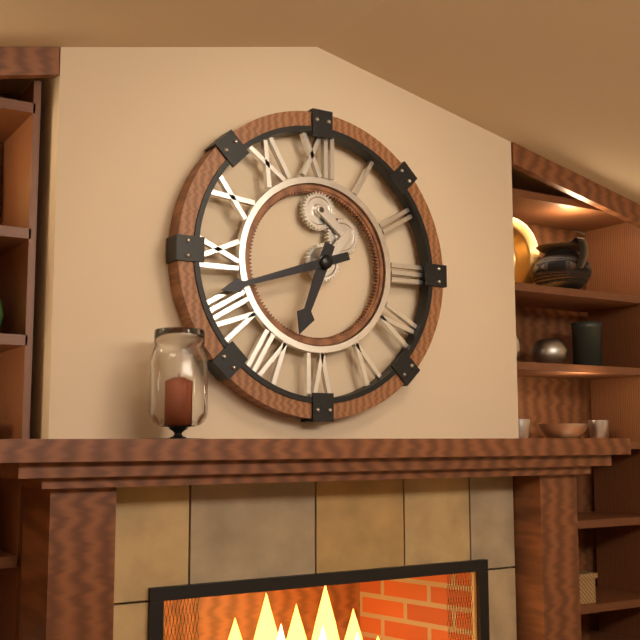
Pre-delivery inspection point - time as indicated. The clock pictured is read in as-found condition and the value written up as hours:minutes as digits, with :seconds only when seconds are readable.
6:42
